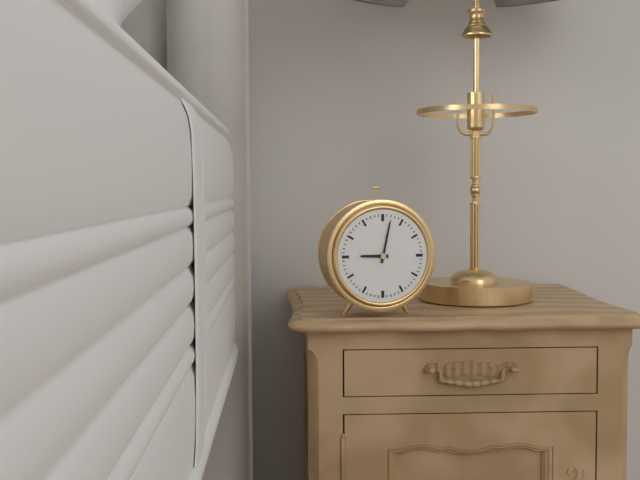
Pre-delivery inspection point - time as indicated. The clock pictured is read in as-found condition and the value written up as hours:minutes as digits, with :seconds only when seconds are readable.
9:02
